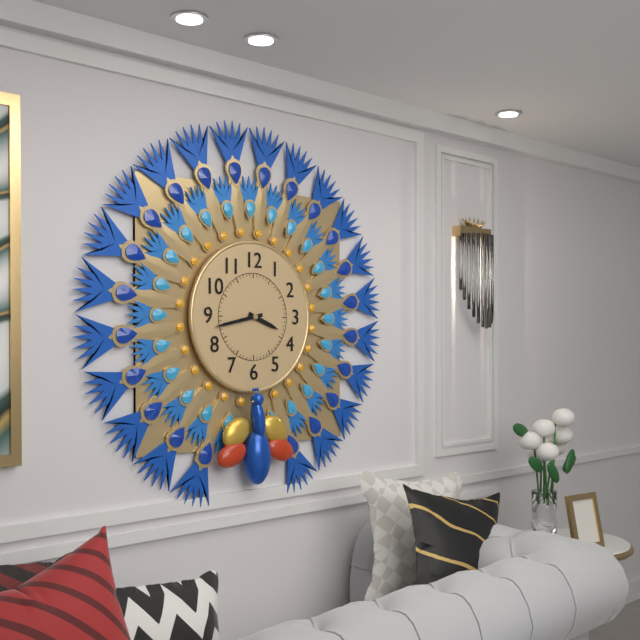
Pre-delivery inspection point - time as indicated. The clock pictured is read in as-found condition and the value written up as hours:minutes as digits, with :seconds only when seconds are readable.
3:43
